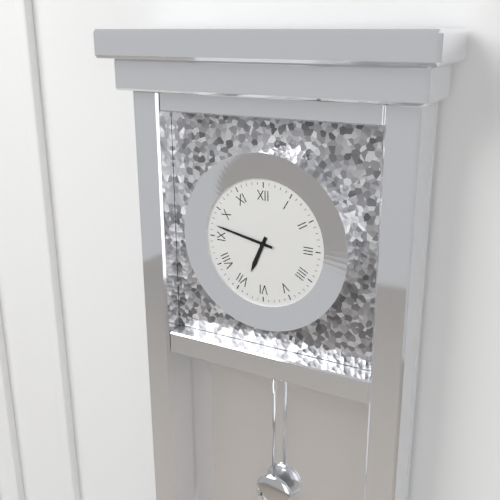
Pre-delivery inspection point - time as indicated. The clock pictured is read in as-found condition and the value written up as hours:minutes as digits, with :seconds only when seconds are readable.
6:47
